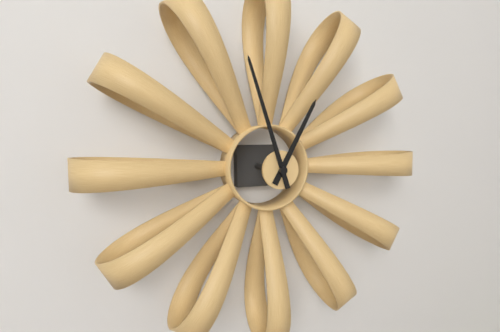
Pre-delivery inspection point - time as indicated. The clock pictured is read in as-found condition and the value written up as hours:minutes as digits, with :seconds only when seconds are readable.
12:57
